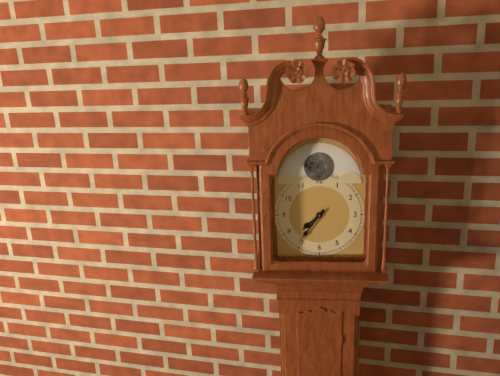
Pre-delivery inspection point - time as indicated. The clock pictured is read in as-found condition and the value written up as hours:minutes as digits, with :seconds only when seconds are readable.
7:36
